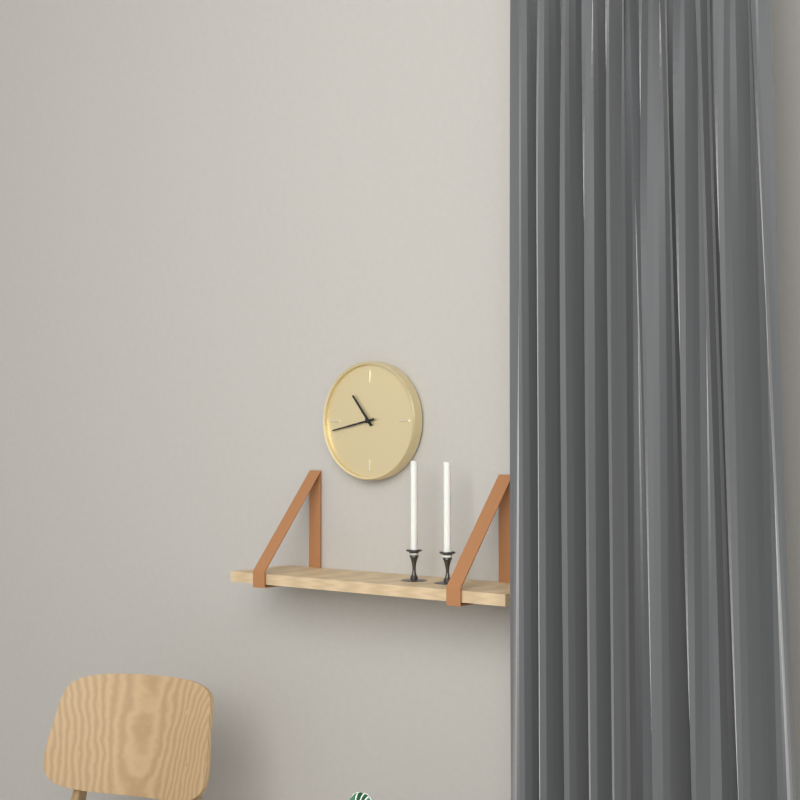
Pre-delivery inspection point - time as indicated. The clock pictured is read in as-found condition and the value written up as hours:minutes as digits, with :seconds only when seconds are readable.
10:43
